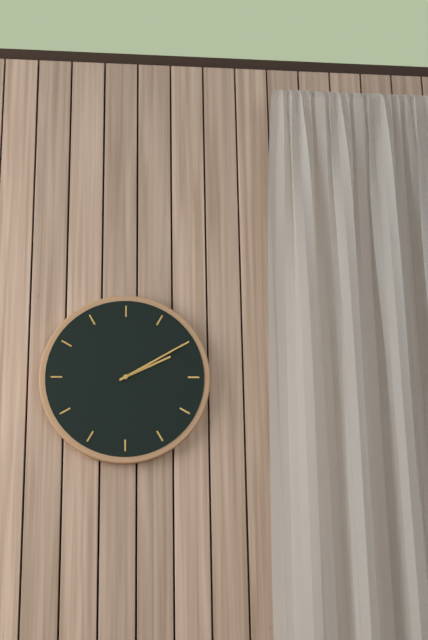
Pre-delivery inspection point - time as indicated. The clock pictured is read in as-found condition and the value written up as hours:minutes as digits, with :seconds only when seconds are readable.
2:10
